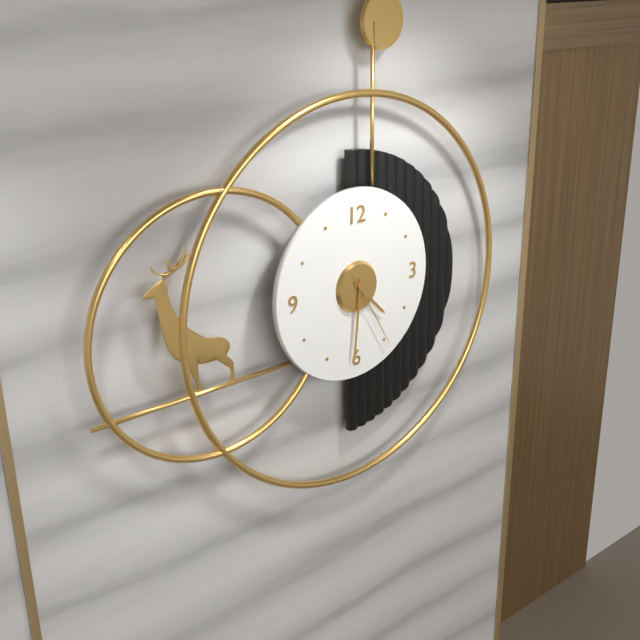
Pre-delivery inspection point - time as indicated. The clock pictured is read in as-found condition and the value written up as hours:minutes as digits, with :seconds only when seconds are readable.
4:31:25
